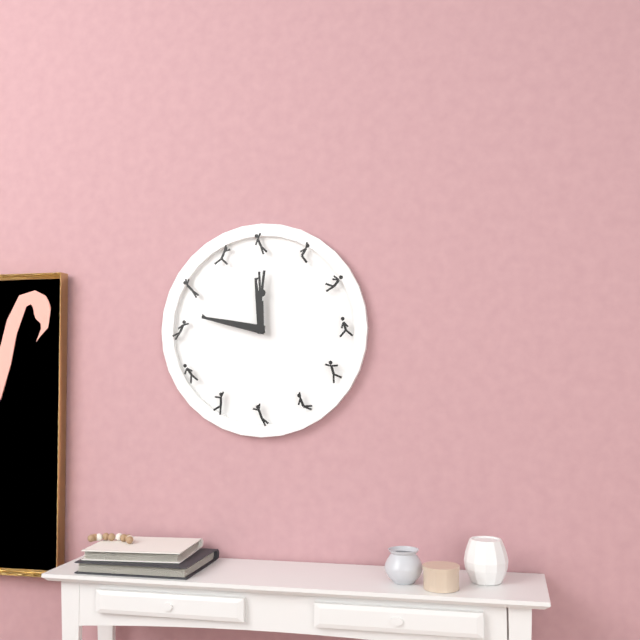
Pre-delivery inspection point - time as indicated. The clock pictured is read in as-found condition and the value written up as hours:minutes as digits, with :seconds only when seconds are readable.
11:47
